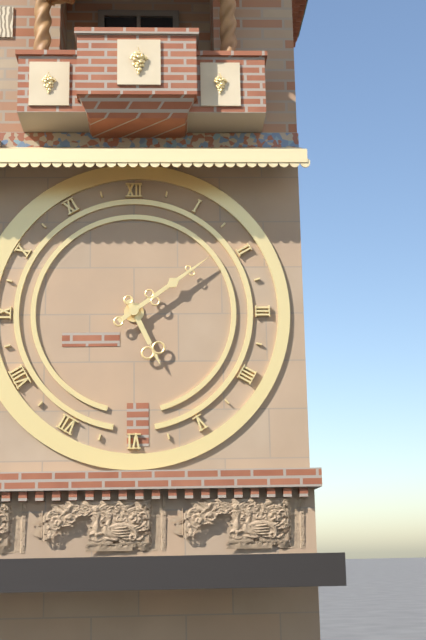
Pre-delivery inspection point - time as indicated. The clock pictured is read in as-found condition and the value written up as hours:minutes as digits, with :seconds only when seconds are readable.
5:09
